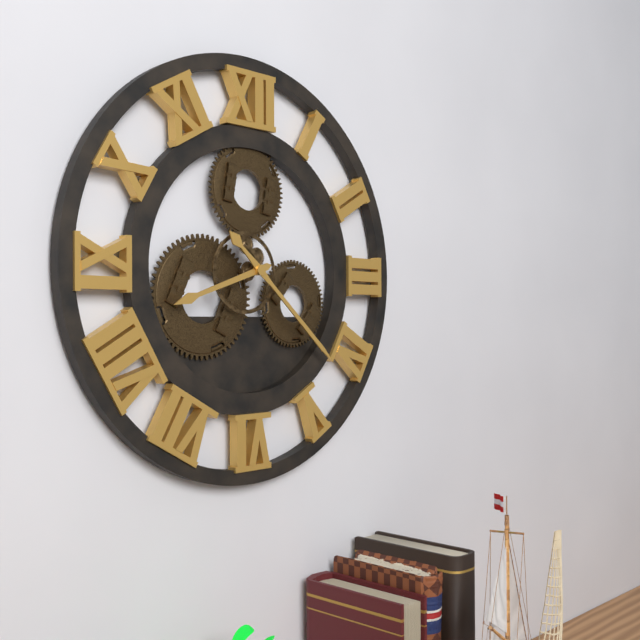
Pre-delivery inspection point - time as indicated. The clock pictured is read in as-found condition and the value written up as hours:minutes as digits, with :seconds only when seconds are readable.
8:22
